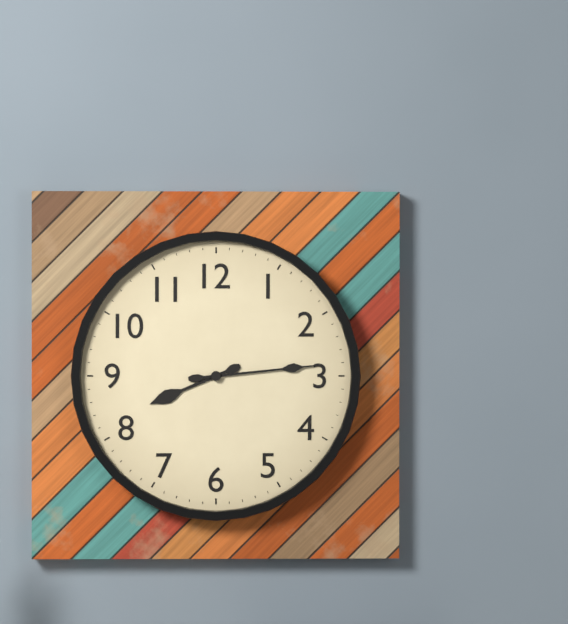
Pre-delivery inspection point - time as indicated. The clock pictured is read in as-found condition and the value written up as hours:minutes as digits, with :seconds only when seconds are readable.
8:14
